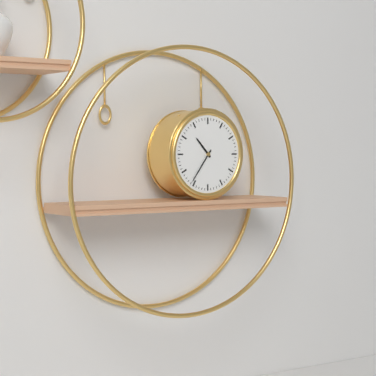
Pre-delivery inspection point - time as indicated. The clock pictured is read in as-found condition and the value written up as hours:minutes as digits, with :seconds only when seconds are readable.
10:36
